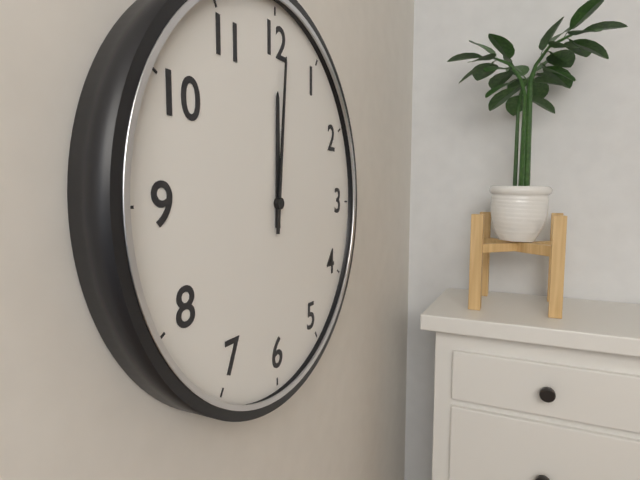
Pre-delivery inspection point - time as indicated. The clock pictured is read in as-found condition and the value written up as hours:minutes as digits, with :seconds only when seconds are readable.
12:01
